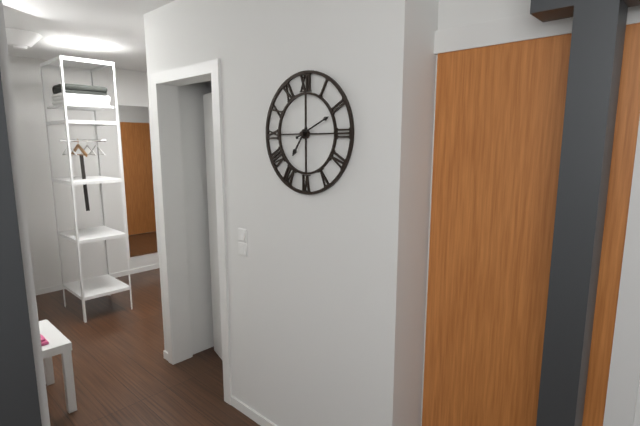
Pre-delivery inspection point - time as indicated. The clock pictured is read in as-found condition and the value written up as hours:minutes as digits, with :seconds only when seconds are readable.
7:11
